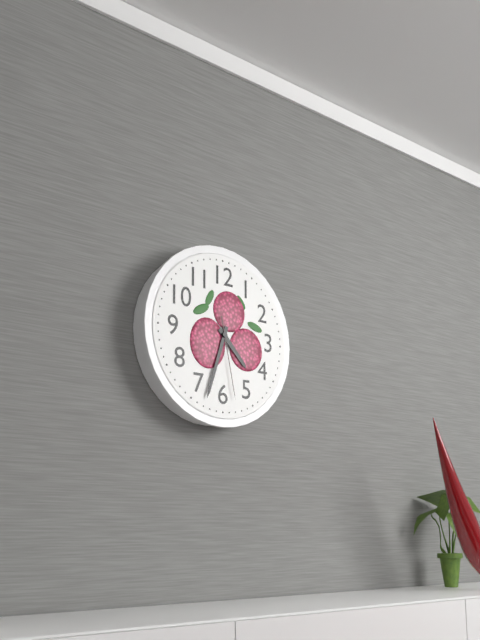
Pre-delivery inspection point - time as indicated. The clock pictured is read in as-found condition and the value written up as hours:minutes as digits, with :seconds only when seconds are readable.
4:33:28
